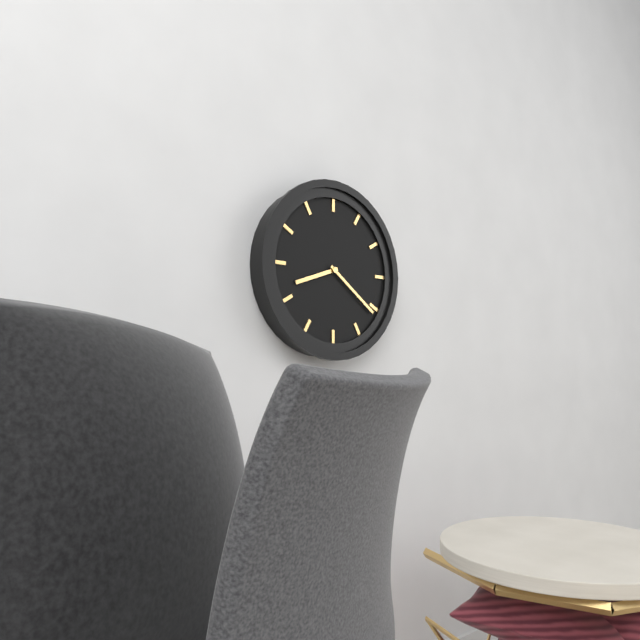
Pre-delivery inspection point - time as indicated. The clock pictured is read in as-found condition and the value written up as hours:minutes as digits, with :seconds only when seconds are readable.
8:21
